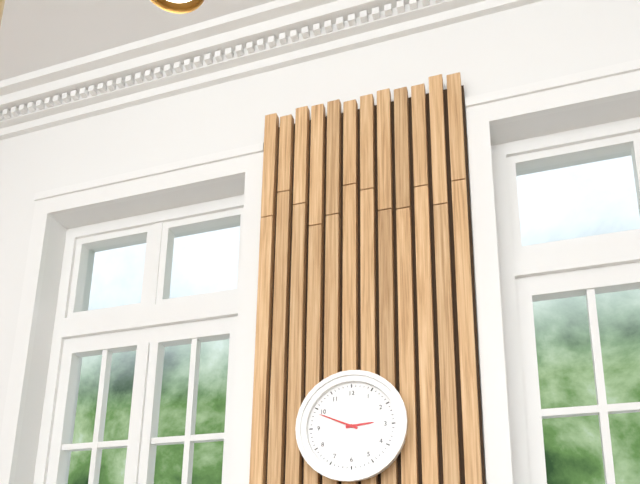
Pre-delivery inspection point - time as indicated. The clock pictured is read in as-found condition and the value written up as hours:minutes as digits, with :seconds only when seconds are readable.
2:49
